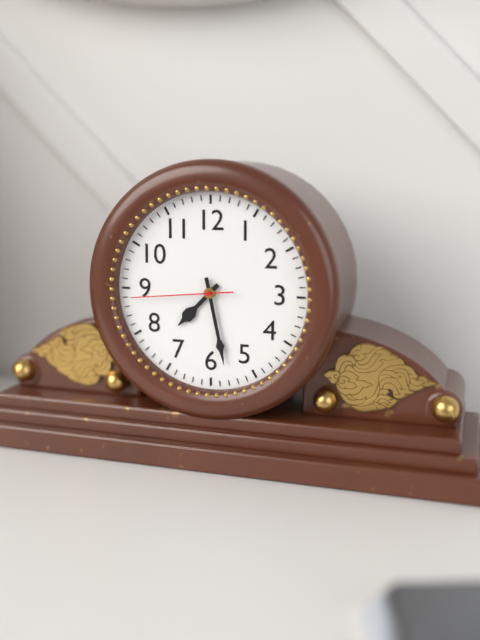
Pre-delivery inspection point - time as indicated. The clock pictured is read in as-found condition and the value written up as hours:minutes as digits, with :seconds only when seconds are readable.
7:28:44
